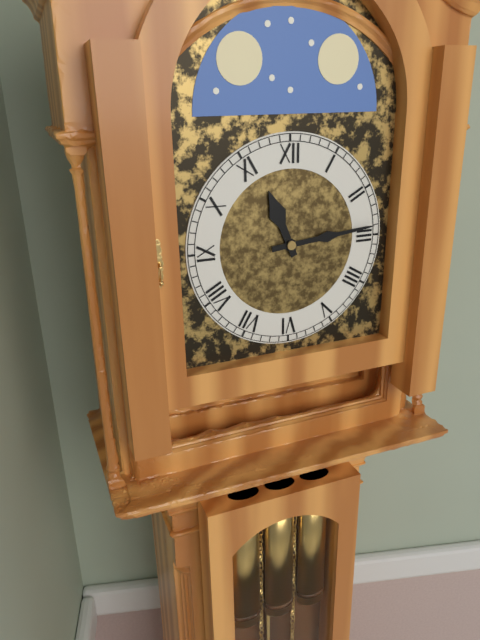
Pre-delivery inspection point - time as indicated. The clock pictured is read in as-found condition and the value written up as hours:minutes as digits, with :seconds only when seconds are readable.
11:14
